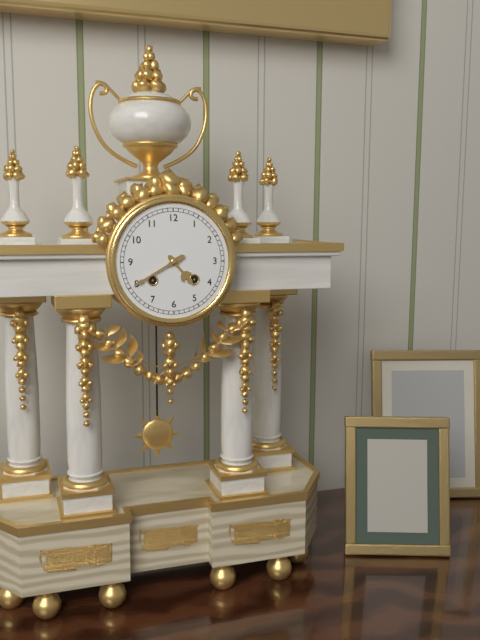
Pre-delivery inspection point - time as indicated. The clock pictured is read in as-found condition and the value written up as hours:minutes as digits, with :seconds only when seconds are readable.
4:40
